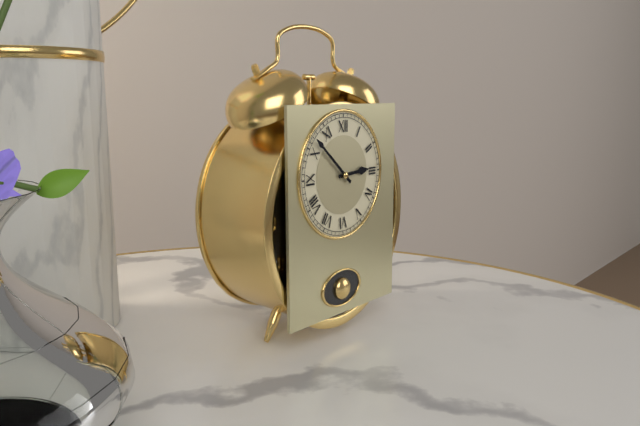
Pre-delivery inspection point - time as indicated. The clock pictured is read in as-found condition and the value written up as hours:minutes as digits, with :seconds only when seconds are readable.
2:52
